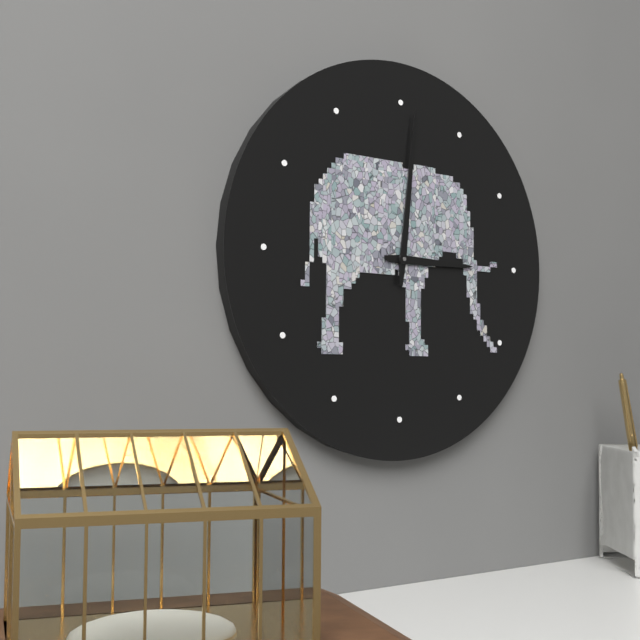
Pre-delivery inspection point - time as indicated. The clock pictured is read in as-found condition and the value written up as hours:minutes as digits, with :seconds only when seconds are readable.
3:01
